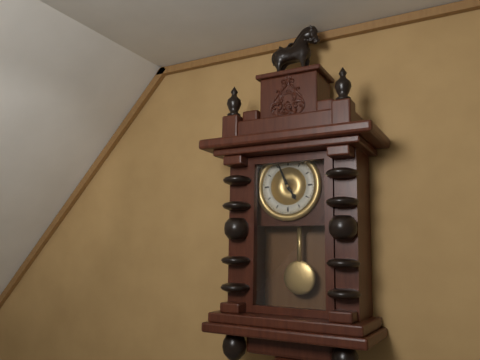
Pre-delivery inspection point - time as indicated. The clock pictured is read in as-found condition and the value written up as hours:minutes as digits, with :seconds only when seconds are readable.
4:56
